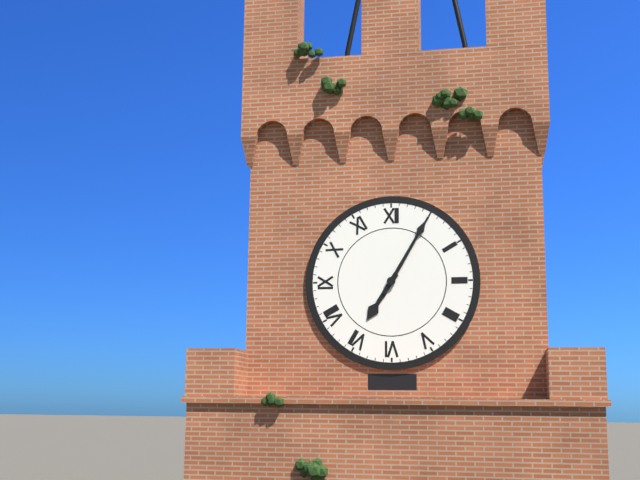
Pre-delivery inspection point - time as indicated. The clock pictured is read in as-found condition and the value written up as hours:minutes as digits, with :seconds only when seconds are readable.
7:05
